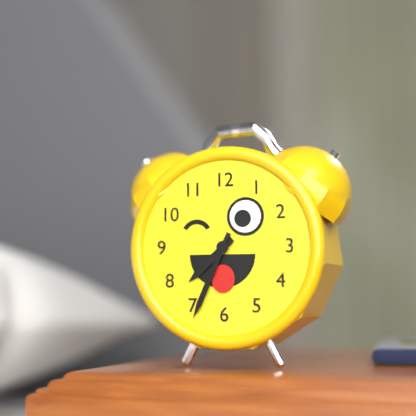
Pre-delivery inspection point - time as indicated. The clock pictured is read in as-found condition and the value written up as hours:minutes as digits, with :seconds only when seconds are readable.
7:34
